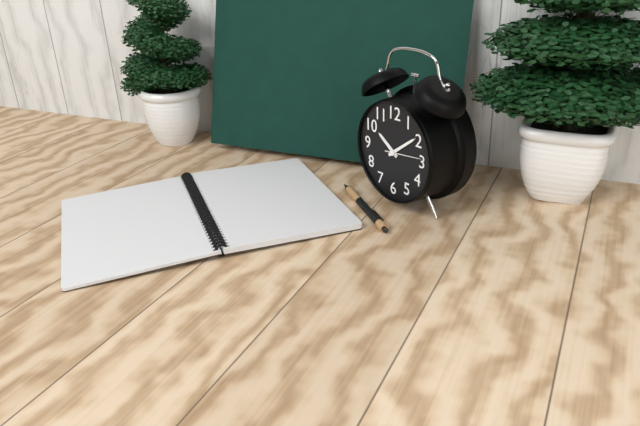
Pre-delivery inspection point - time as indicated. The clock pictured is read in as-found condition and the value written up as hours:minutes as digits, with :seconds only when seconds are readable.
10:09
